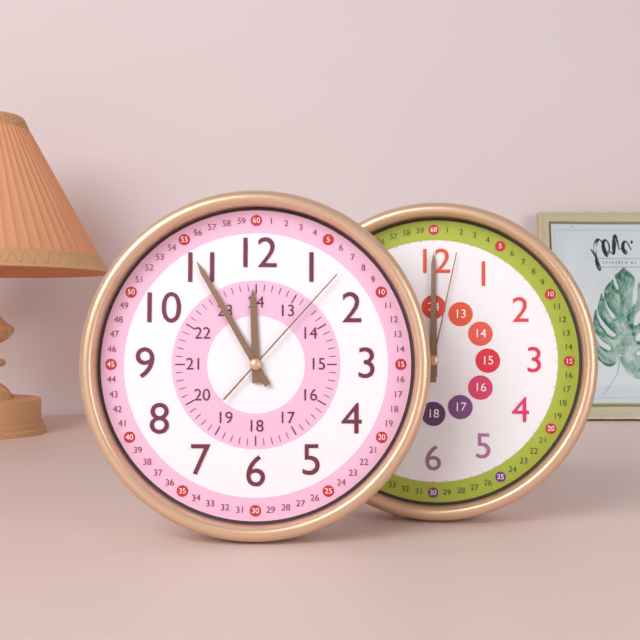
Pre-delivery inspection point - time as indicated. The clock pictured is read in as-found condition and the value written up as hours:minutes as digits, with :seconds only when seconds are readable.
11:55:07
